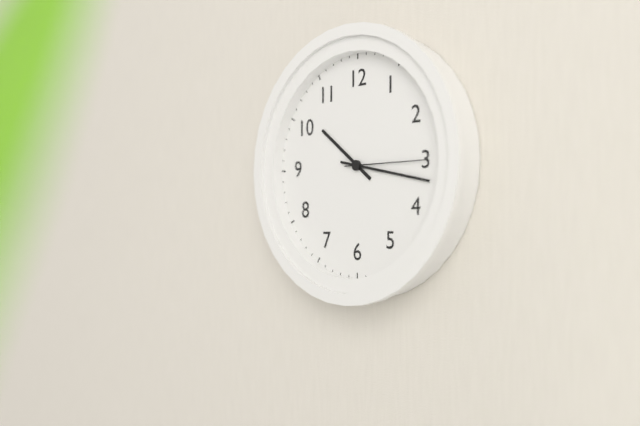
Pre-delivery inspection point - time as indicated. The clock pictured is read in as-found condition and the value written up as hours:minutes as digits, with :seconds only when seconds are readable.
10:17:15
